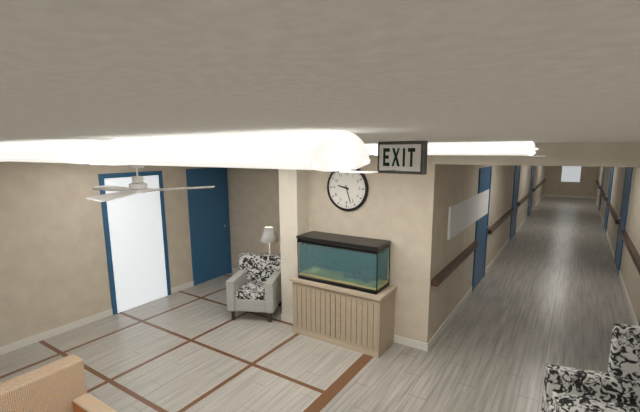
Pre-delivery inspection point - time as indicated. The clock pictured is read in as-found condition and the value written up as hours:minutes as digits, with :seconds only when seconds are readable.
9:27
